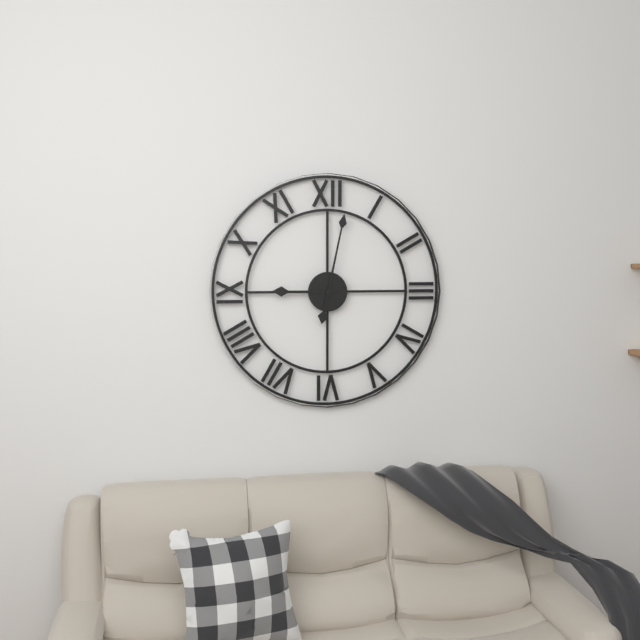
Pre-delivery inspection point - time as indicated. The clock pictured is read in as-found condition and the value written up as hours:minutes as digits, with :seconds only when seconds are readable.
9:02
